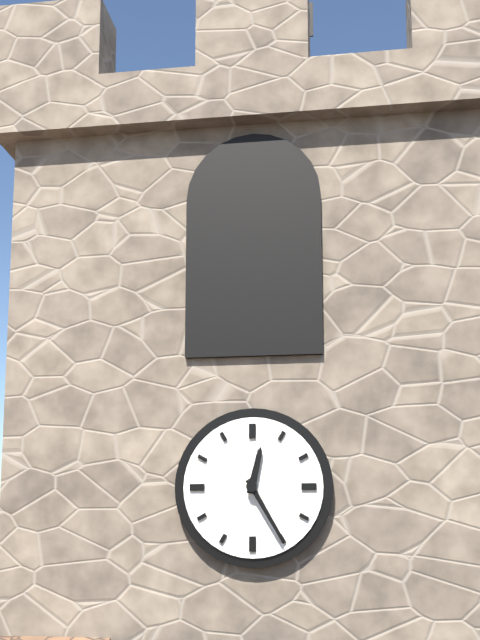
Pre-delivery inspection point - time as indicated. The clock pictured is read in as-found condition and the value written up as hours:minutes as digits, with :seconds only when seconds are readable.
12:25
